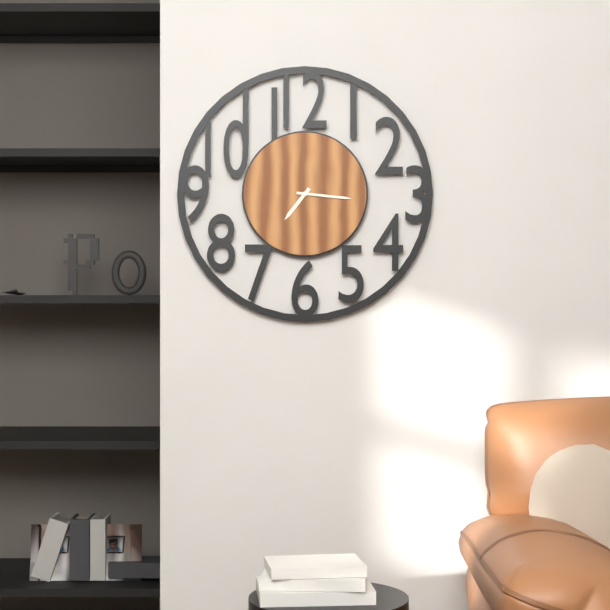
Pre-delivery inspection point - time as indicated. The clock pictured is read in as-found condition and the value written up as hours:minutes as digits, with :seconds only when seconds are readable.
7:16
